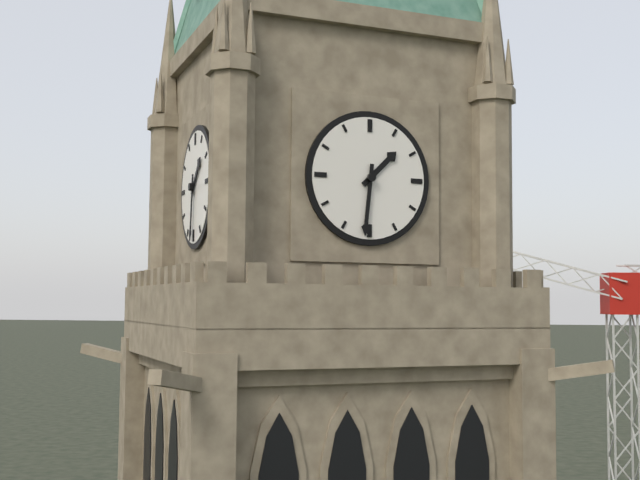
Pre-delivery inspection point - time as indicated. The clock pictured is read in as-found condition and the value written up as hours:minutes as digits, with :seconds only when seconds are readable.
1:31
